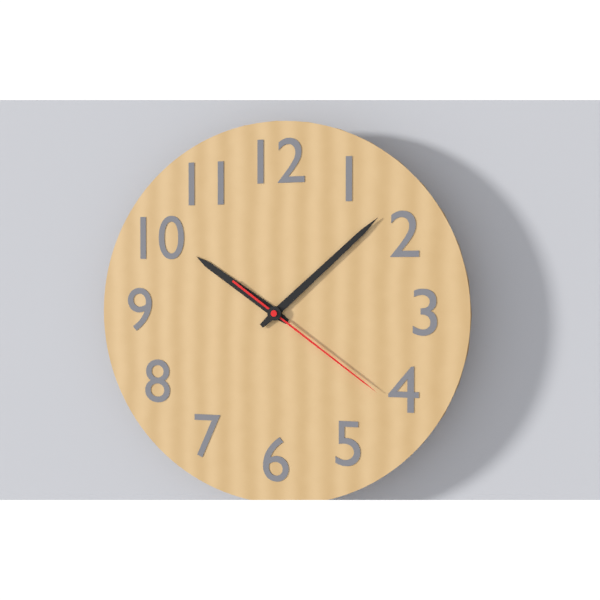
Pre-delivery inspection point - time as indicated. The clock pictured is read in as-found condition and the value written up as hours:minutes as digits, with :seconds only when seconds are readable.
10:08:21
